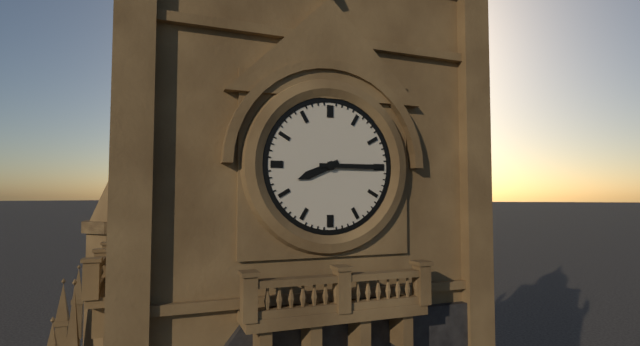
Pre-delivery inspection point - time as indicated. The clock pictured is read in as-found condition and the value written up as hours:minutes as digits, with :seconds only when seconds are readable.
8:15
